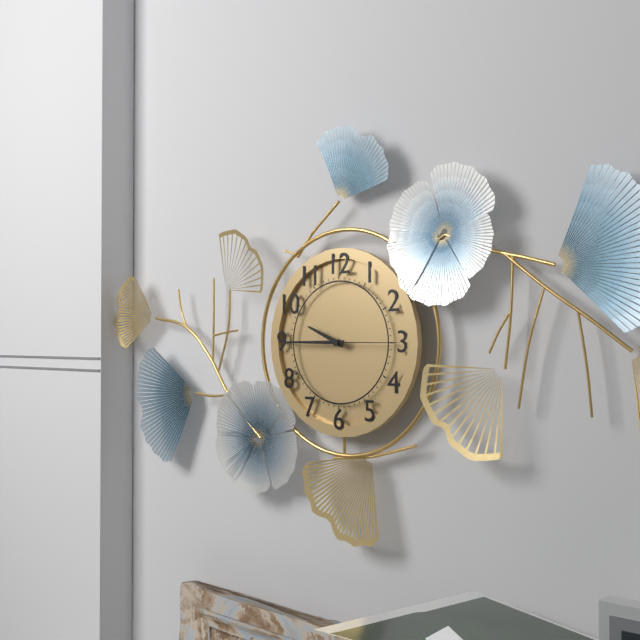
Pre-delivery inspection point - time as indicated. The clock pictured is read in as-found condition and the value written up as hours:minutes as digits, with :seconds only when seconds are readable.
9:45:15
